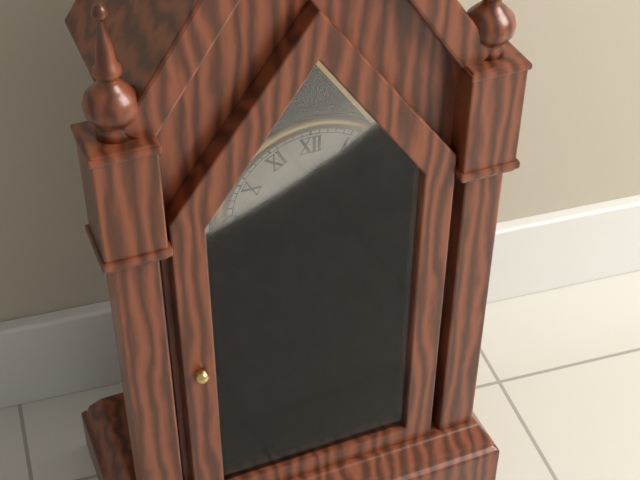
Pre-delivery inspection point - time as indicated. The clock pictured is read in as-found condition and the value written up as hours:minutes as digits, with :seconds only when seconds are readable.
12:30
